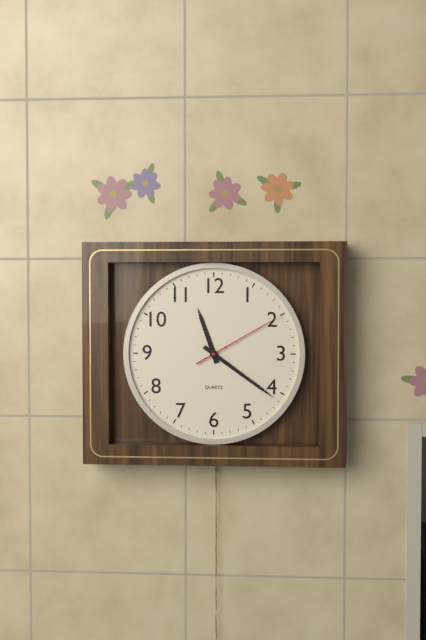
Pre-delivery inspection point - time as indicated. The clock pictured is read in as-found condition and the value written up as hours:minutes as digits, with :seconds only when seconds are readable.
11:21:10
